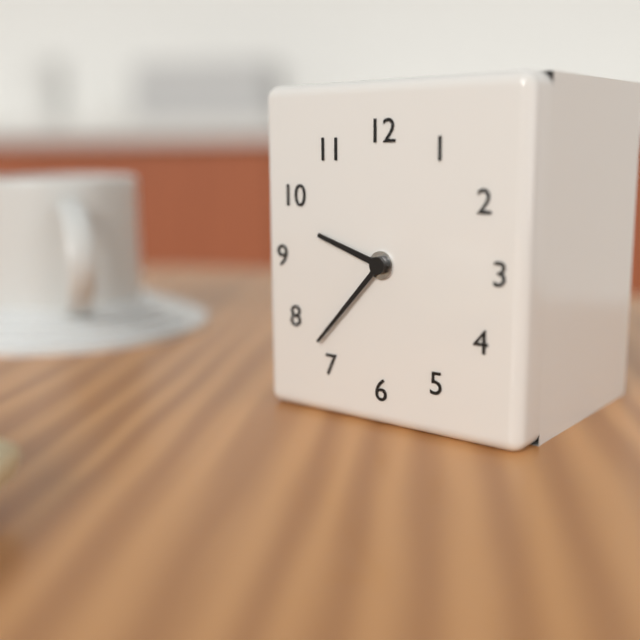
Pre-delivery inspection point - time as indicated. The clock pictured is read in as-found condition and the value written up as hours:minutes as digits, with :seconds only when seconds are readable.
9:37
